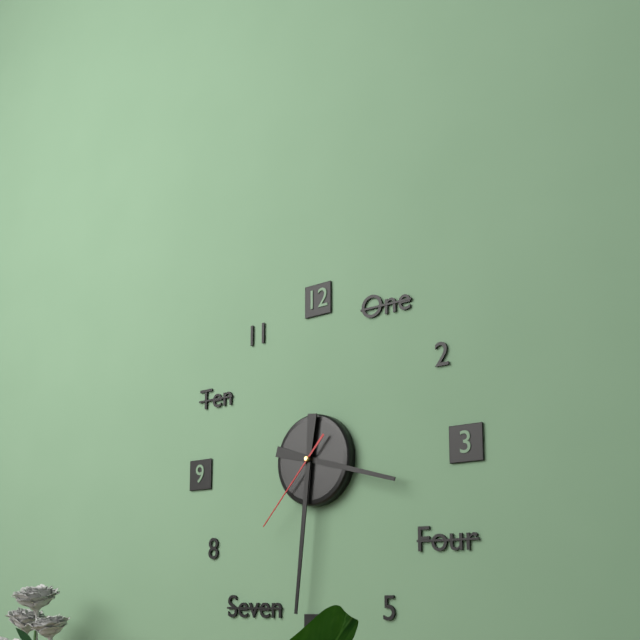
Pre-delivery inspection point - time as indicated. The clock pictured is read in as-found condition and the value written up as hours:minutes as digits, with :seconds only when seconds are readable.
3:31:37
